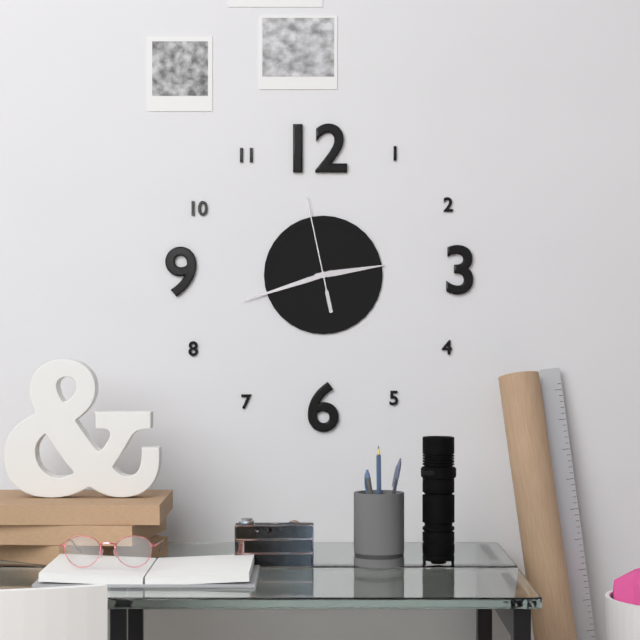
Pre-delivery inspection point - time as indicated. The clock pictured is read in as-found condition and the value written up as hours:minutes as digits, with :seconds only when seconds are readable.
2:42:58
